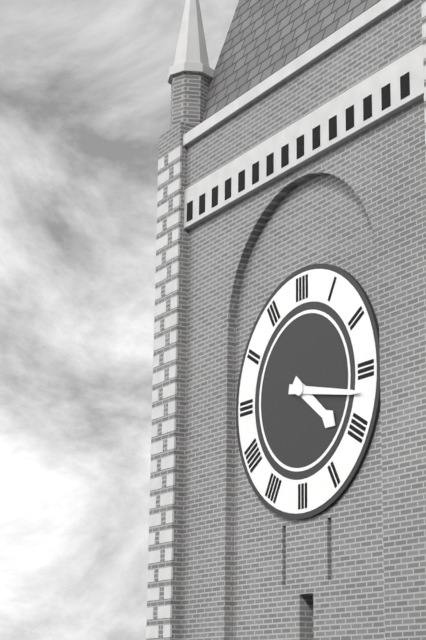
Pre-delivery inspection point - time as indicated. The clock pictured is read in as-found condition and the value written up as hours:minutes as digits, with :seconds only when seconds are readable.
4:17
